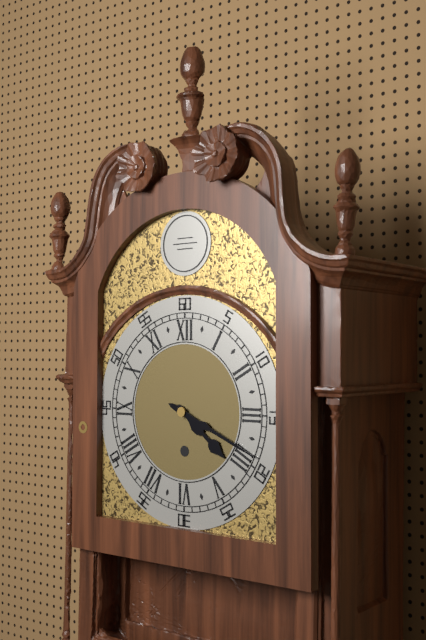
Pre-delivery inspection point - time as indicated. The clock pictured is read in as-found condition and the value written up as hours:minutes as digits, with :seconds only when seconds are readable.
4:19
